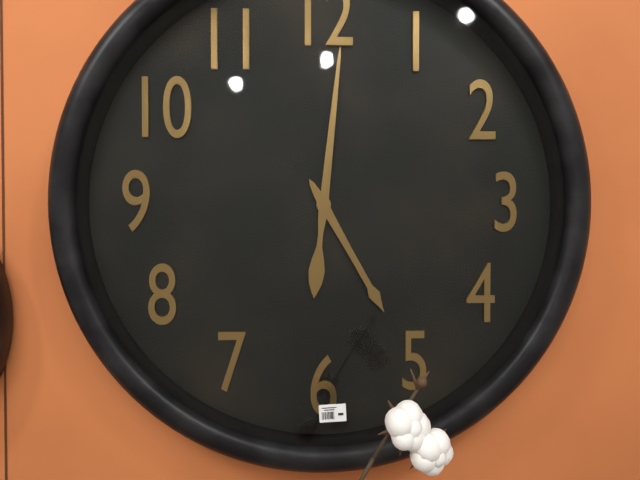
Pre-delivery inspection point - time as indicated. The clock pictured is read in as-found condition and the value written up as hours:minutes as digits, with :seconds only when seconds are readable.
5:01
